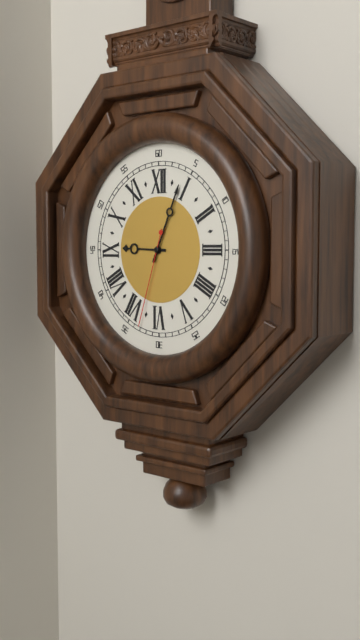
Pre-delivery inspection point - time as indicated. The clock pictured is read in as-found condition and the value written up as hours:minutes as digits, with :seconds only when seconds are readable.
9:04:33
